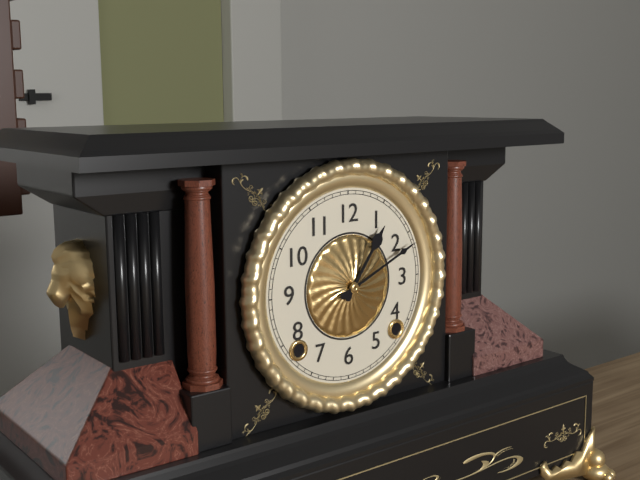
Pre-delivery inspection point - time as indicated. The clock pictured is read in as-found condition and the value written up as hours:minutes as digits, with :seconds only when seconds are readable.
1:11
